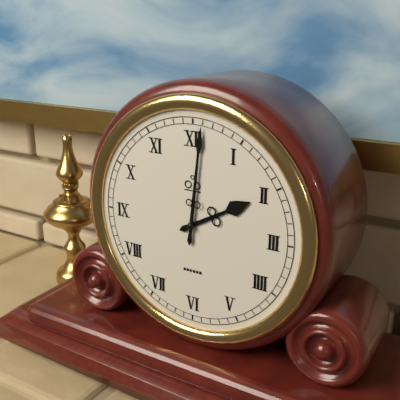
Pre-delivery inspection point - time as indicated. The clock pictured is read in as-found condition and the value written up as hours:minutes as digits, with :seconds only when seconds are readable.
2:01
